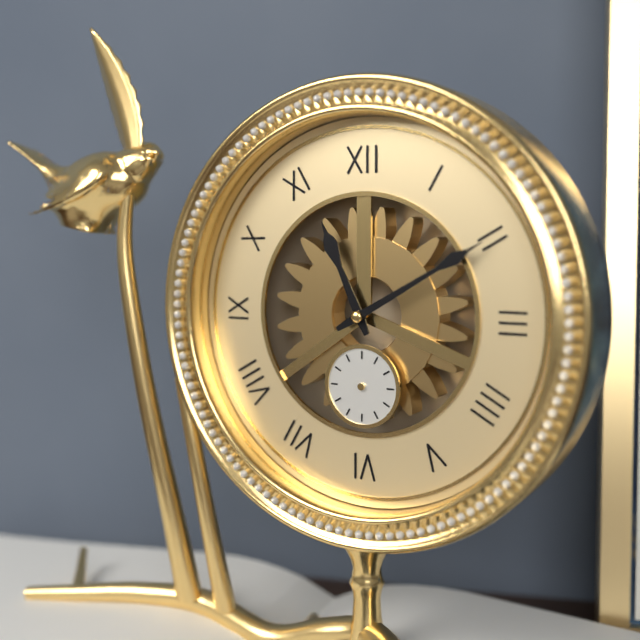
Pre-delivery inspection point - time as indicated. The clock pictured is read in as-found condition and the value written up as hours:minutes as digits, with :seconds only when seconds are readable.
11:10
